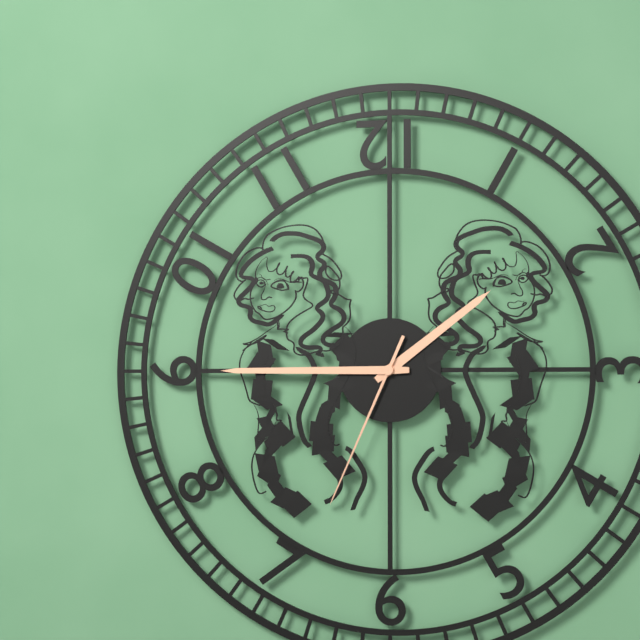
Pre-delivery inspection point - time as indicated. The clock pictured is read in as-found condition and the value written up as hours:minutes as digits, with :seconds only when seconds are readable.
1:45:34
